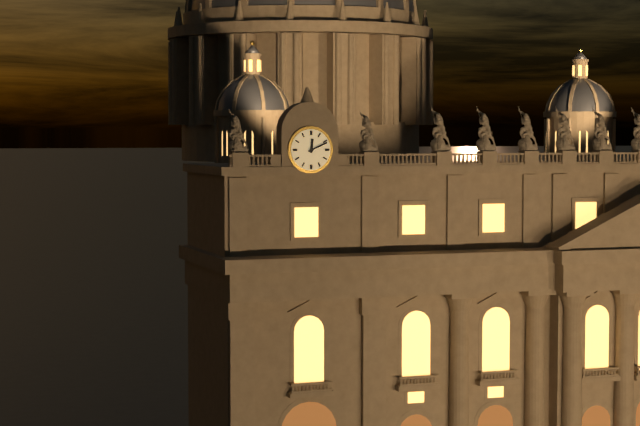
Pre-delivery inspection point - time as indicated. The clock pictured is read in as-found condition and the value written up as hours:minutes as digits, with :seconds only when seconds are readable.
12:11
